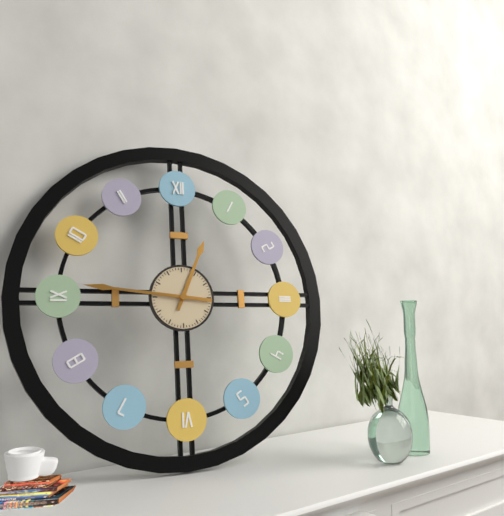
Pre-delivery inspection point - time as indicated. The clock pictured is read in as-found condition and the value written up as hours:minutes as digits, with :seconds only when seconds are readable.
12:46
